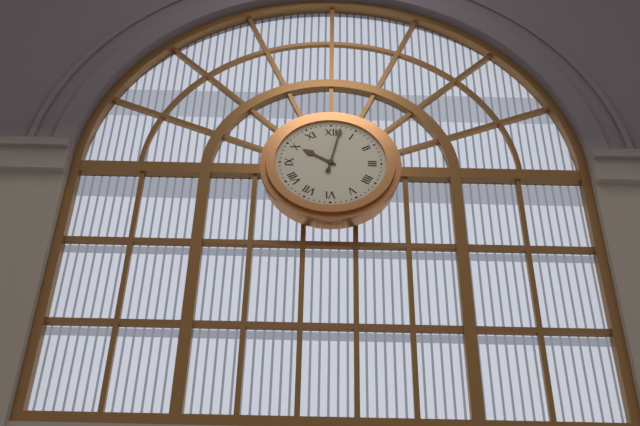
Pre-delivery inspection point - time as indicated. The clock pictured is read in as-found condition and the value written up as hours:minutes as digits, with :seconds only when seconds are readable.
10:02
